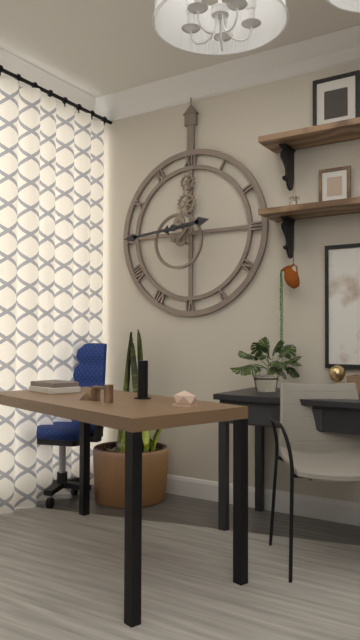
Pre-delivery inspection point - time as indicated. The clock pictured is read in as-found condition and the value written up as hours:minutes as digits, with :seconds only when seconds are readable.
2:44
